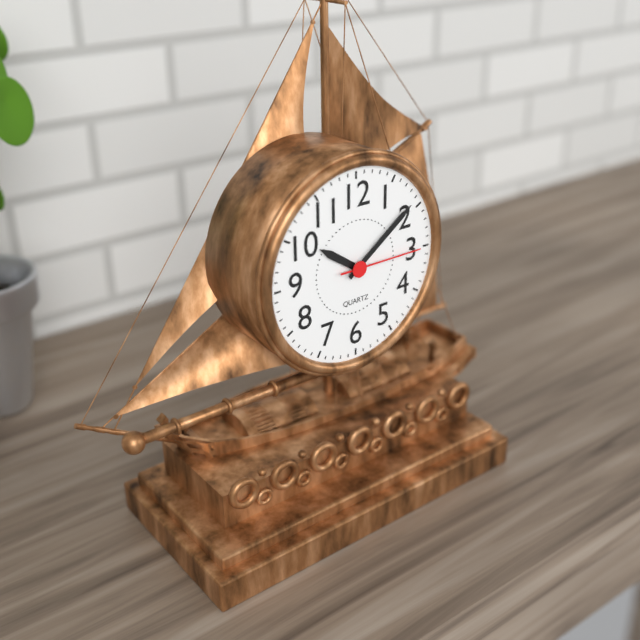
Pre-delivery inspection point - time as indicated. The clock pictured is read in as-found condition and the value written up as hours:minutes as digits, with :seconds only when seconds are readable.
10:09:15
